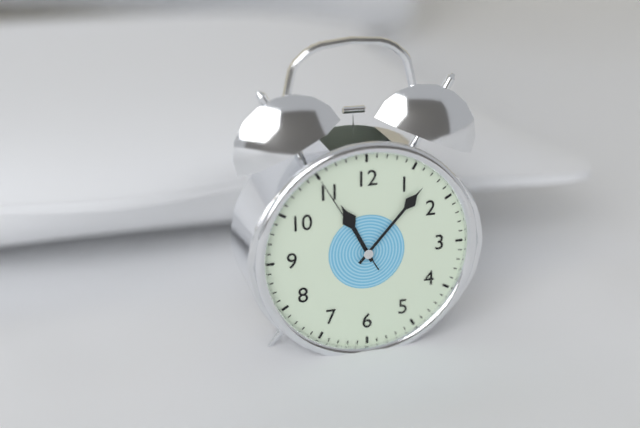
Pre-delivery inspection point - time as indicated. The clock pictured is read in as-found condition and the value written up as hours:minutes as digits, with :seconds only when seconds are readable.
11:07:55
